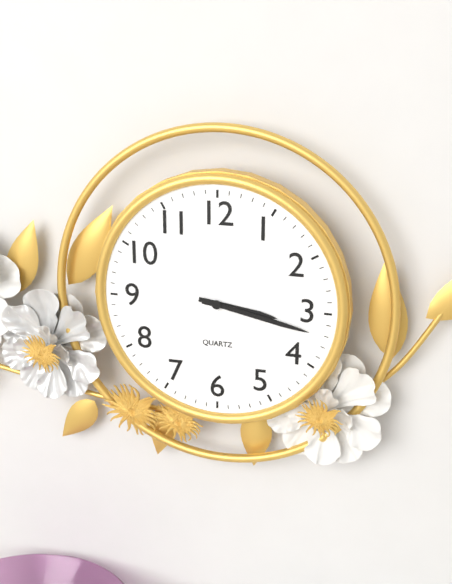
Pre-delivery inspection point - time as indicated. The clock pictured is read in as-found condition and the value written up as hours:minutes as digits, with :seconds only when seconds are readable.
3:17
